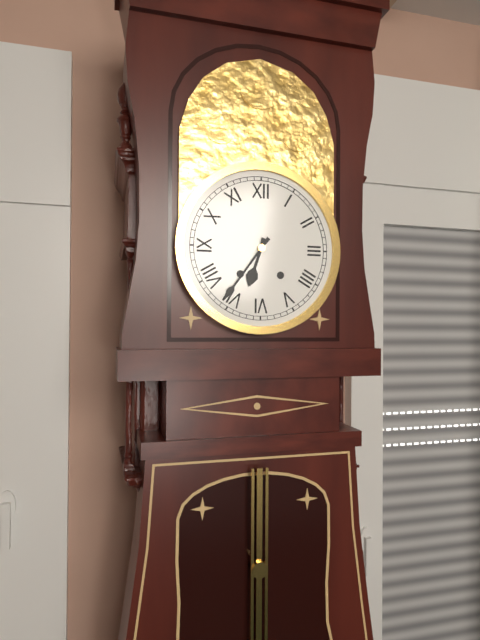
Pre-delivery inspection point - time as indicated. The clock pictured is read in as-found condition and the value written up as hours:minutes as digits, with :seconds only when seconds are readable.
6:36
